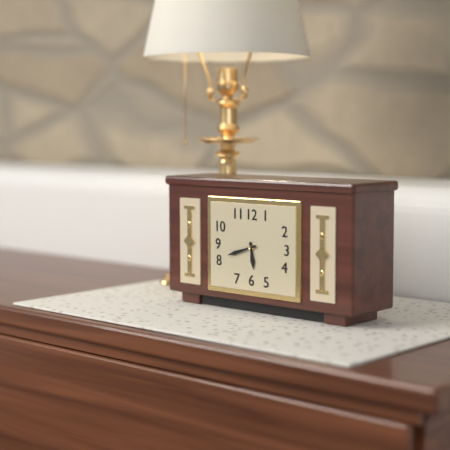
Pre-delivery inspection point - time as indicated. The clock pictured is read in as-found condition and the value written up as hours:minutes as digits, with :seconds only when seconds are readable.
5:42
